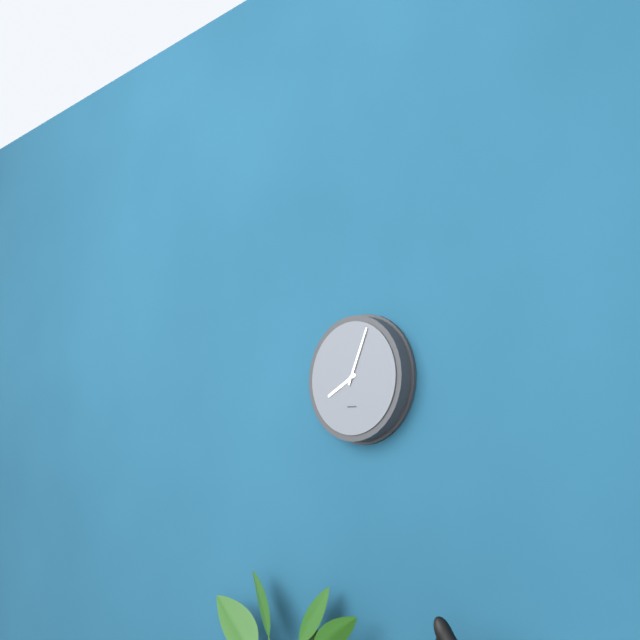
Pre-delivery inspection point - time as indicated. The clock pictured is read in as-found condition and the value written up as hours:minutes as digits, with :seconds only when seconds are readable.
8:04
